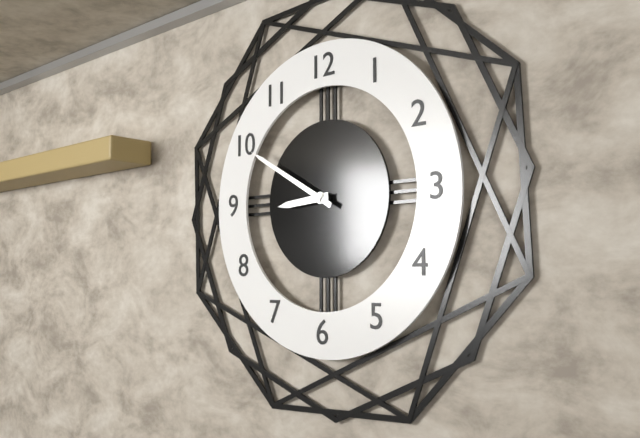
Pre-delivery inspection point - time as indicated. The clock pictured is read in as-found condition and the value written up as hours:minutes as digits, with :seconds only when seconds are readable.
8:50
